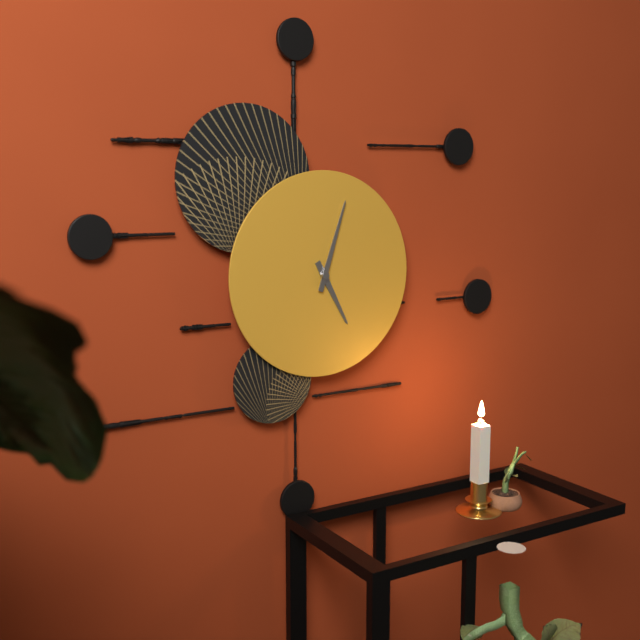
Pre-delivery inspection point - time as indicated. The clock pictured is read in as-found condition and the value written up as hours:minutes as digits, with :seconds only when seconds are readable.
5:03
